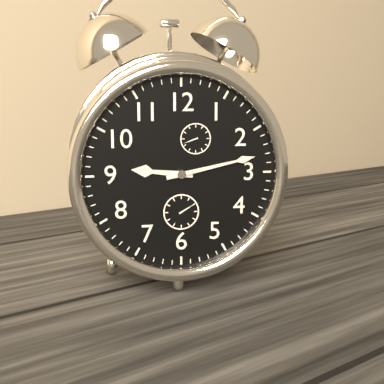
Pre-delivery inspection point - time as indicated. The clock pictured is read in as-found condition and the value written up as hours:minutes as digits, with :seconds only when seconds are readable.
9:13
